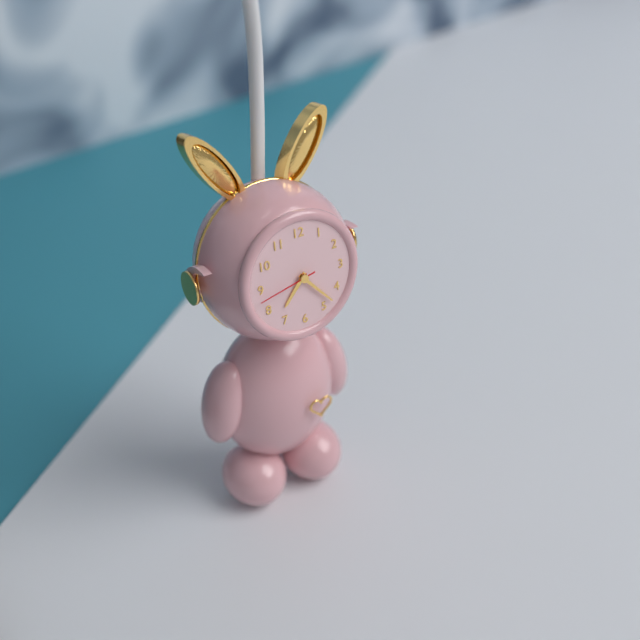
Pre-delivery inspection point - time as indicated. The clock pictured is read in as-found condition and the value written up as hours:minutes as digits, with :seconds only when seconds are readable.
7:23:43
